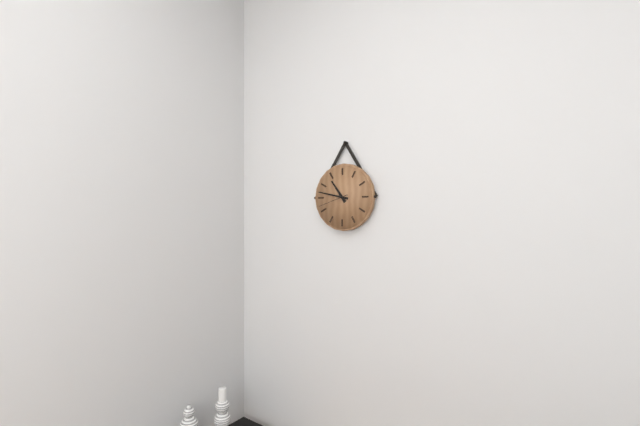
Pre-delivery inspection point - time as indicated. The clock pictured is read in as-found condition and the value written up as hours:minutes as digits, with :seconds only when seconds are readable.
10:47
